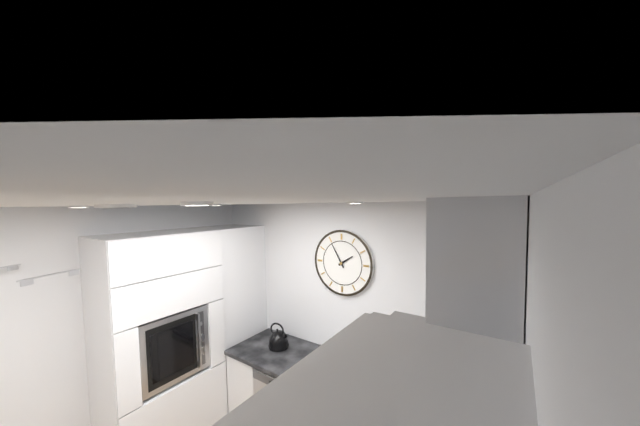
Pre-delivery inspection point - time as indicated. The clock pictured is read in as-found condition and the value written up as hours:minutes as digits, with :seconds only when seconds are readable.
1:55
